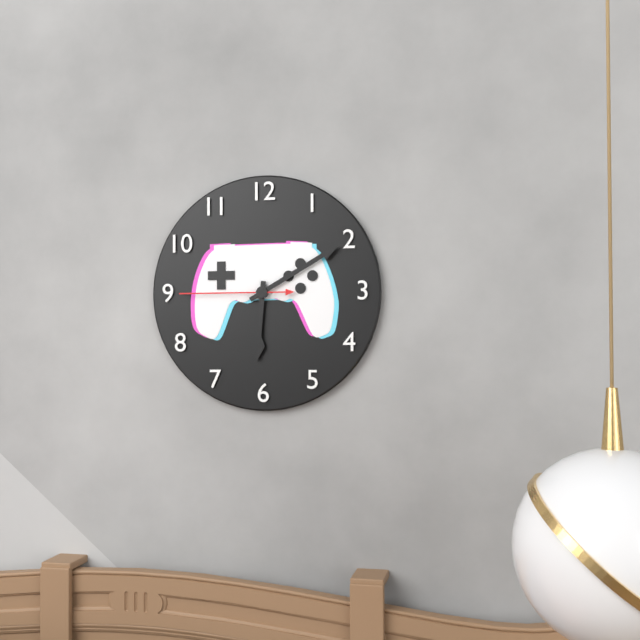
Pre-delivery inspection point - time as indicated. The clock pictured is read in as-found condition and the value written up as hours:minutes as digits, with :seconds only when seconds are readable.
6:10:45
